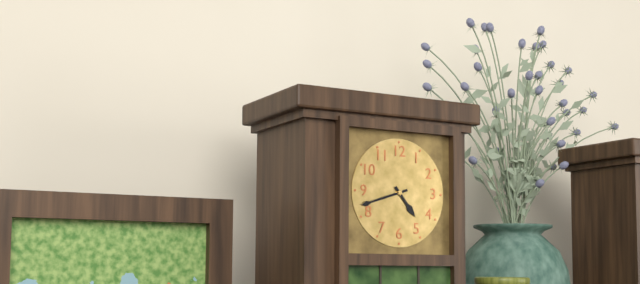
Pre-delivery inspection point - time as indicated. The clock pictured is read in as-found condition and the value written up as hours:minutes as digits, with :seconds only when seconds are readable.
4:42
